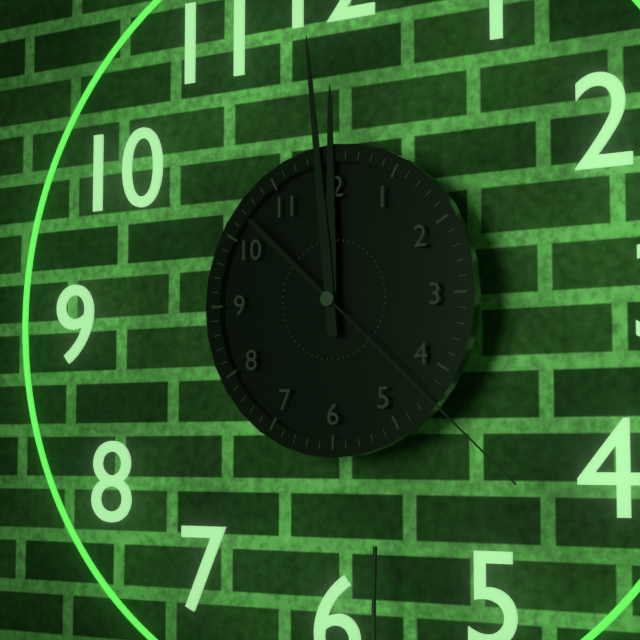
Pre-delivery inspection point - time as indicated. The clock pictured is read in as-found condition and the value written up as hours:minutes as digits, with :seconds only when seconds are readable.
11:59:22
